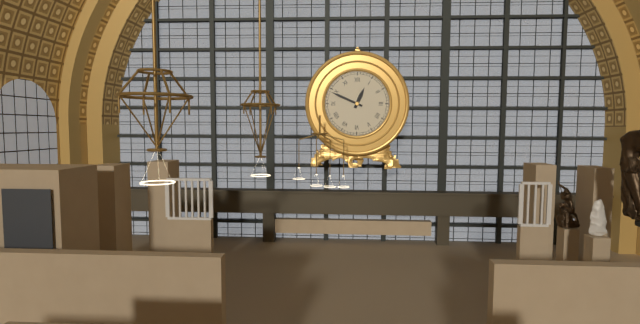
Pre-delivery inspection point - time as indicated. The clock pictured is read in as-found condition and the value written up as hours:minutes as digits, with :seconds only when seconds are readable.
12:49
